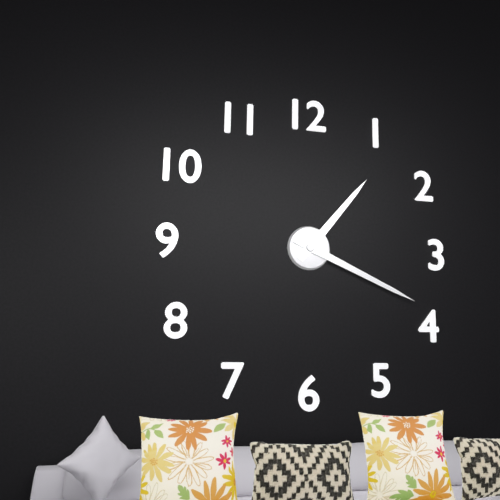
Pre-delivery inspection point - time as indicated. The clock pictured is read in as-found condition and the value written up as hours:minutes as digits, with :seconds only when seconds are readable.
1:19
